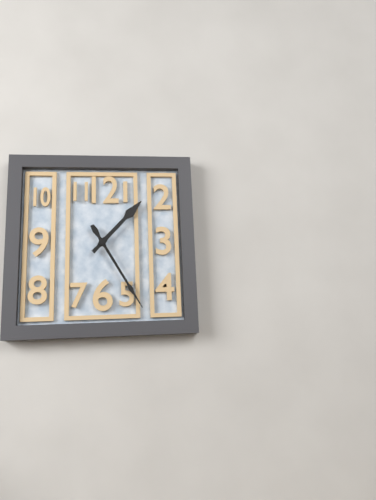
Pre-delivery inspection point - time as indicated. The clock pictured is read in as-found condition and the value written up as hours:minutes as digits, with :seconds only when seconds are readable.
1:25
